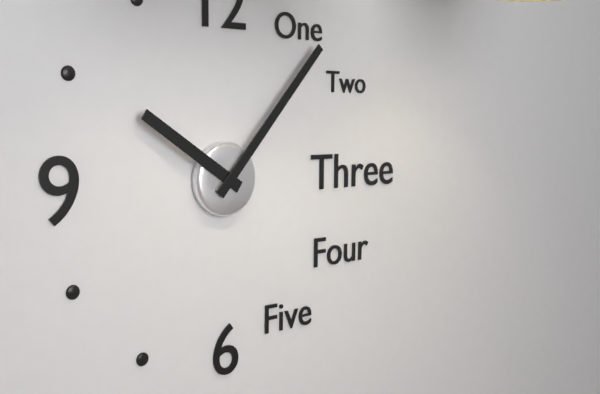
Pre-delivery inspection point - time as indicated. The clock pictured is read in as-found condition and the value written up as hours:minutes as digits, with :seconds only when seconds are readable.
10:07
